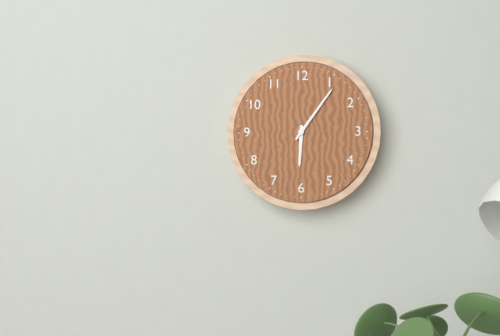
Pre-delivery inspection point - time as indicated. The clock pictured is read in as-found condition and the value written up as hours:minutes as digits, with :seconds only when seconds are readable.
6:06
